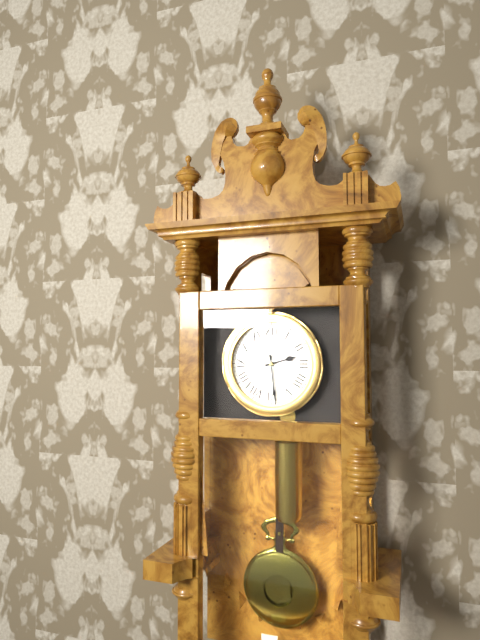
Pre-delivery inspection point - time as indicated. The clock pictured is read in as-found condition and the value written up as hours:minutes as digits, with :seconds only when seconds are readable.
2:29
